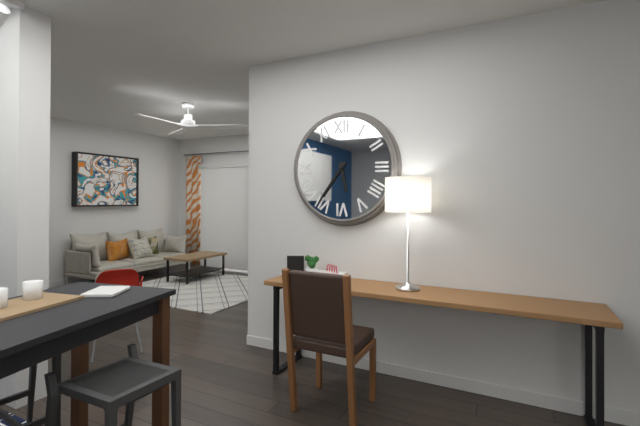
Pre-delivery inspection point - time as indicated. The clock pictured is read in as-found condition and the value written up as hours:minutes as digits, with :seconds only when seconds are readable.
5:36
